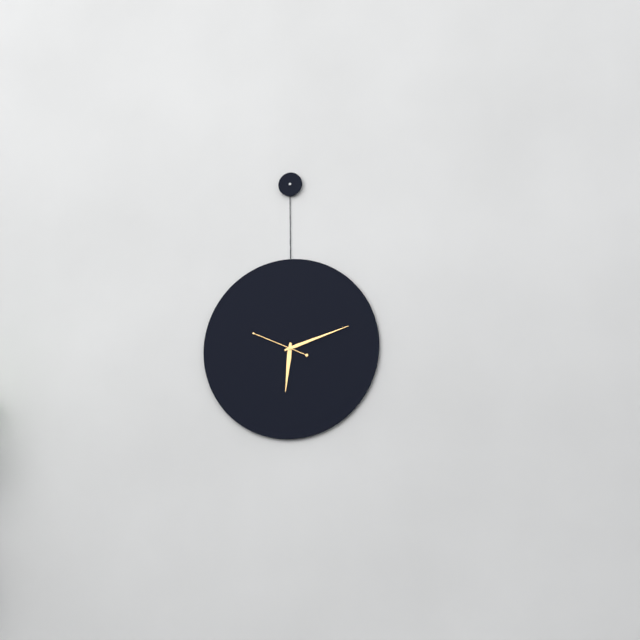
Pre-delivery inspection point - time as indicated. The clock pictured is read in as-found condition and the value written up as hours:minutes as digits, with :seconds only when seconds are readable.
6:12:49
